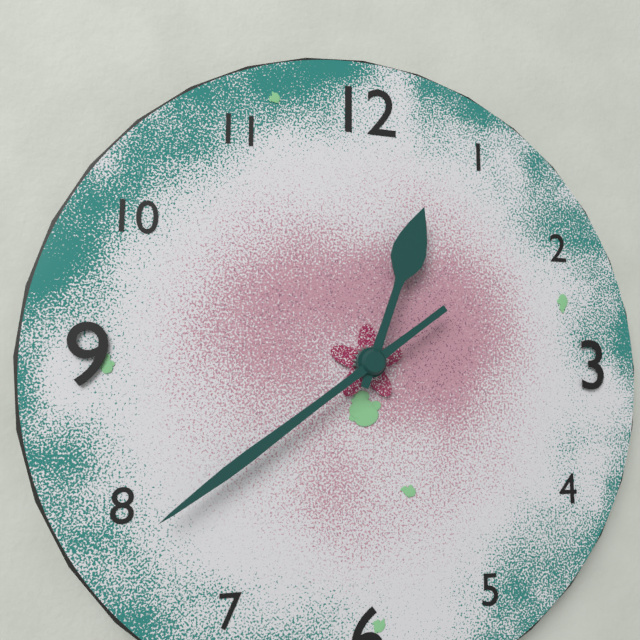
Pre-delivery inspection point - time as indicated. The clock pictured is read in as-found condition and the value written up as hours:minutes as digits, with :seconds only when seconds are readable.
12:39
